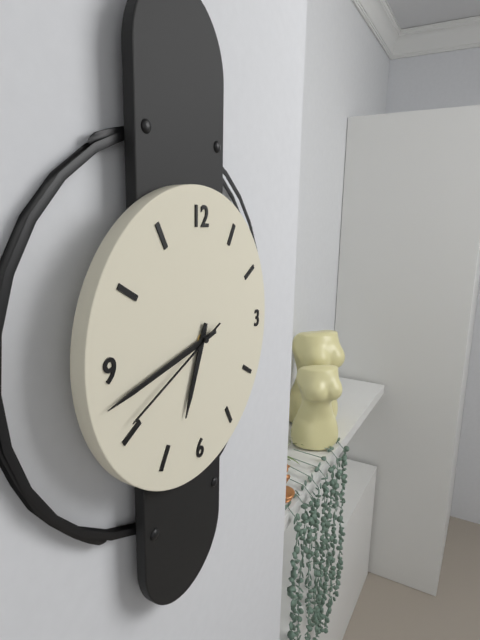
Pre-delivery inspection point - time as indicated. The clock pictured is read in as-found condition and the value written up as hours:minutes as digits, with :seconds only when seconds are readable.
6:43:41
